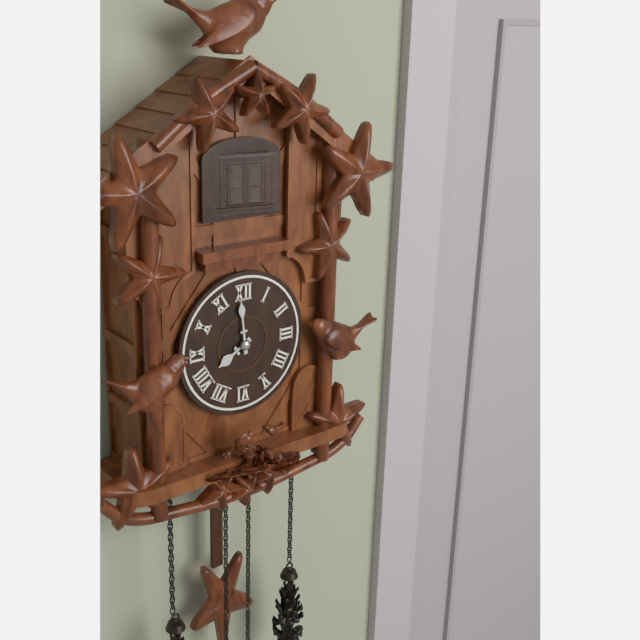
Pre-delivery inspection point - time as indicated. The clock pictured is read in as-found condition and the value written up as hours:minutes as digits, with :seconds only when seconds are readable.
7:59
